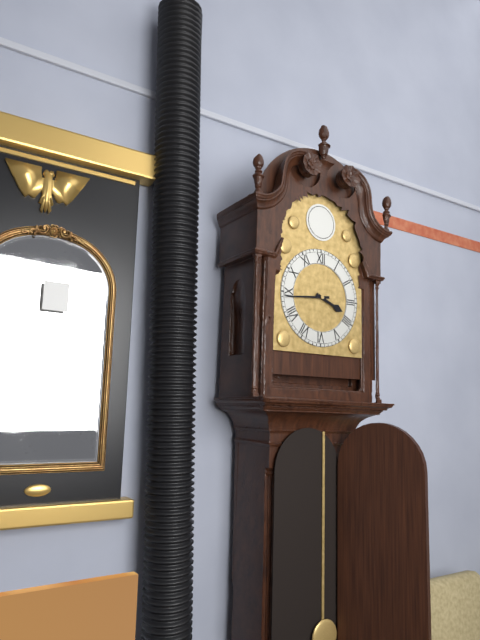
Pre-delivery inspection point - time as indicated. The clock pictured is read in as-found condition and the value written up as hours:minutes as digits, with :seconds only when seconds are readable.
3:44
